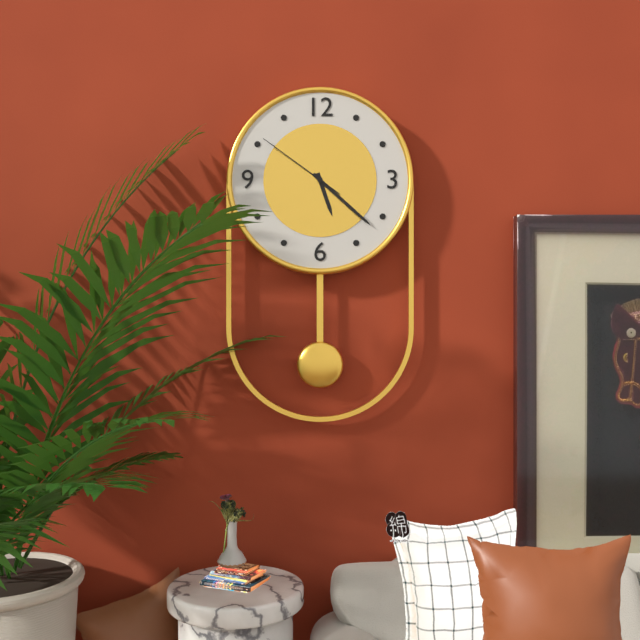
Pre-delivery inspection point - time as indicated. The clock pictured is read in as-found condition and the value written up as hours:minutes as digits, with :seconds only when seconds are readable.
5:22:51
